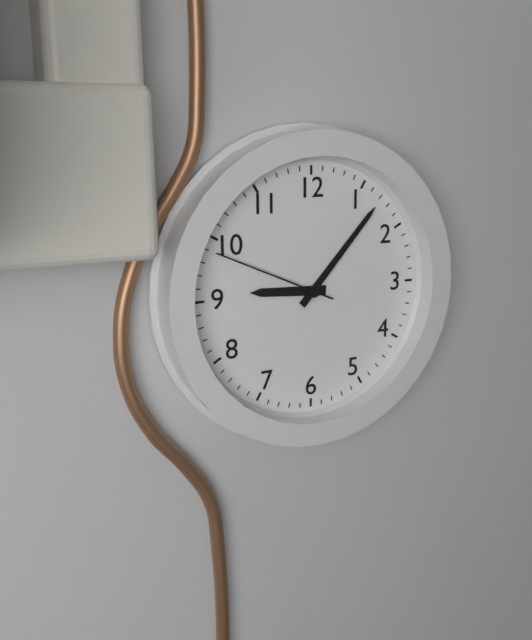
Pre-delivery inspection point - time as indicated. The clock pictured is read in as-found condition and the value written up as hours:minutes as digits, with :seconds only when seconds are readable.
9:07:49
